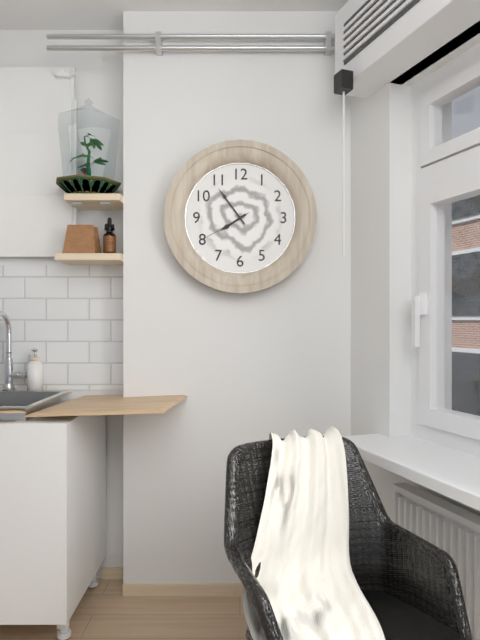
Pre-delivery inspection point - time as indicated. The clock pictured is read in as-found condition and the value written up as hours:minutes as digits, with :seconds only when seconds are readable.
7:54
